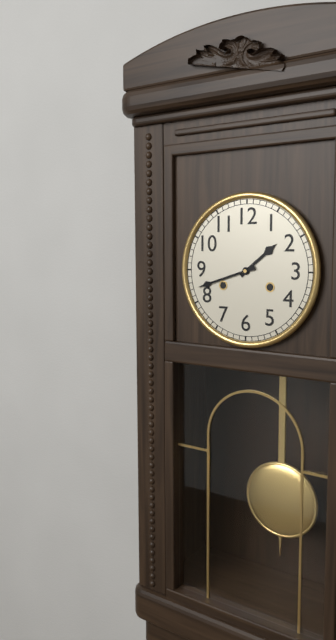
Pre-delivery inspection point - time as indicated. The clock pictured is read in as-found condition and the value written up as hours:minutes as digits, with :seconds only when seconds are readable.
1:42
